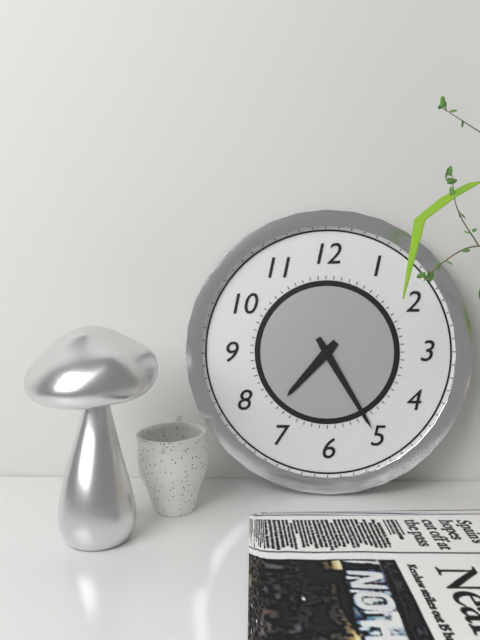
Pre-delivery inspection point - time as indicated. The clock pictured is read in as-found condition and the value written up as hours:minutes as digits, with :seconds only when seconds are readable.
7:25
